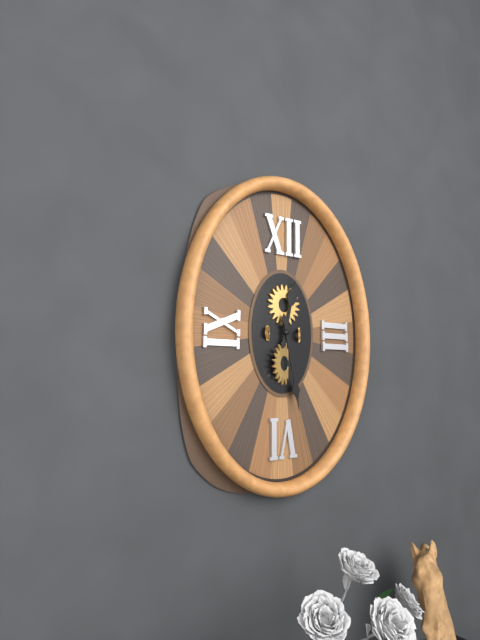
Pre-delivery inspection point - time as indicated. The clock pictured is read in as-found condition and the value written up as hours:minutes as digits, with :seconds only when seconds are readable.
12:28
